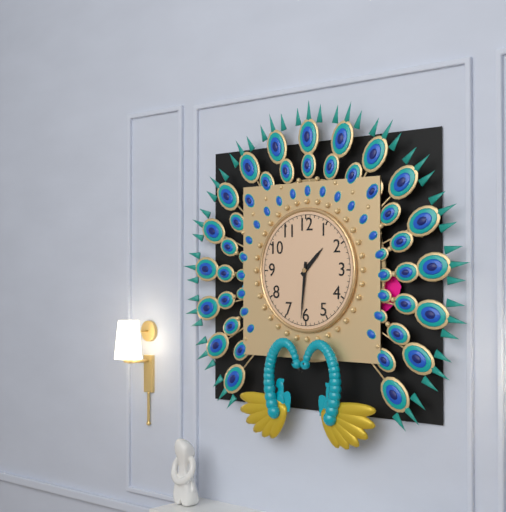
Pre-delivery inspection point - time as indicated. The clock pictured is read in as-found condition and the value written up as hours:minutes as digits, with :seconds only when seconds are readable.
1:31
